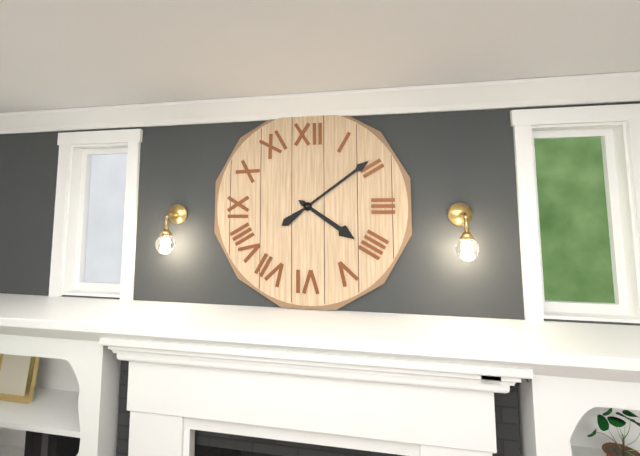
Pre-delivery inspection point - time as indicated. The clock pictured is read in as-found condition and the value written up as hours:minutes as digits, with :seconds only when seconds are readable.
4:09
